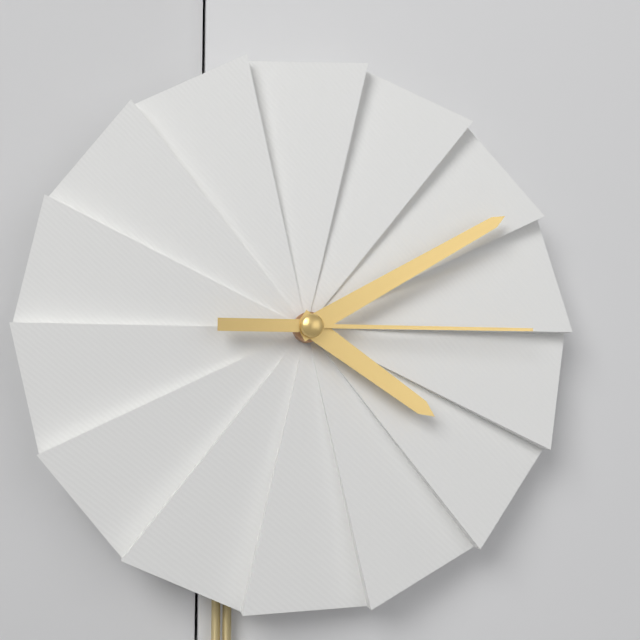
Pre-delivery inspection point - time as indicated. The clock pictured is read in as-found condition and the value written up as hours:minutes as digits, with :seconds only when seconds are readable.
4:10:15
